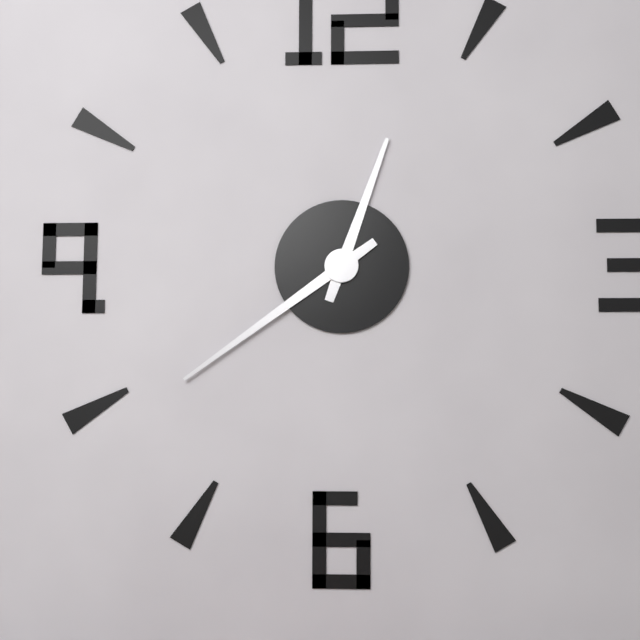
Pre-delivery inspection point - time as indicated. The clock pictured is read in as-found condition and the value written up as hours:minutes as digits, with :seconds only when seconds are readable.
12:39
